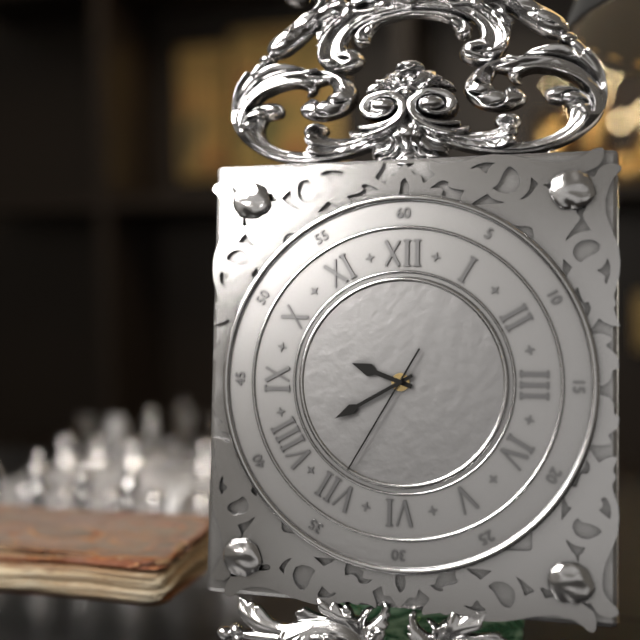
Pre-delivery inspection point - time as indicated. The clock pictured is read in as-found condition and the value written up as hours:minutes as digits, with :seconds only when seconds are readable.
9:40:35
